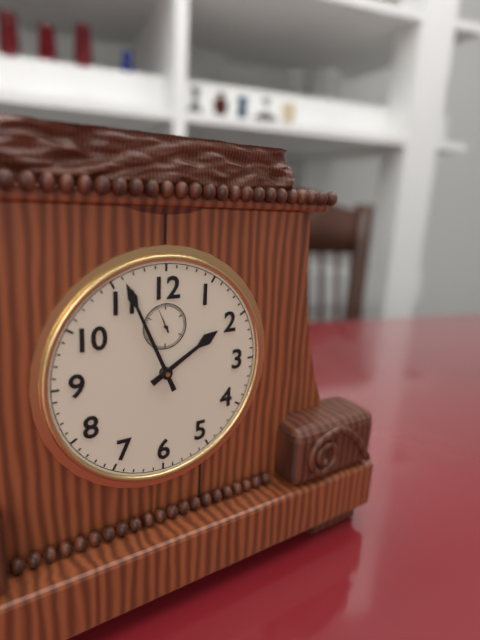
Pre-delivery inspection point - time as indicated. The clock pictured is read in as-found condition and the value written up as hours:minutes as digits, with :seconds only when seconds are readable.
1:56
